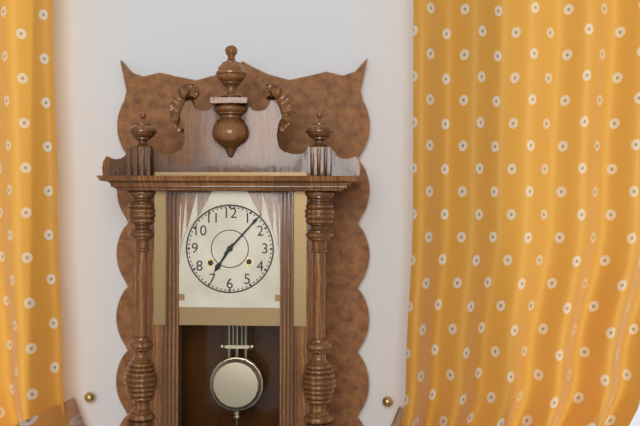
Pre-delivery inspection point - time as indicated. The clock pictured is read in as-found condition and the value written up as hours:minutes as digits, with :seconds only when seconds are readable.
7:07
